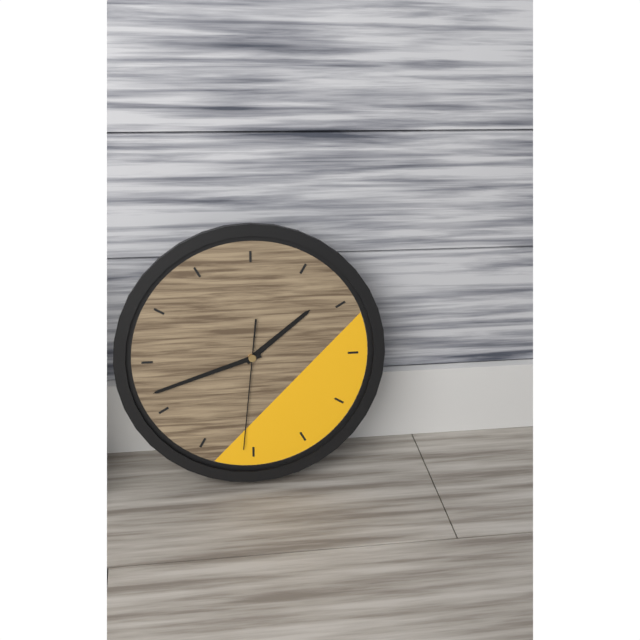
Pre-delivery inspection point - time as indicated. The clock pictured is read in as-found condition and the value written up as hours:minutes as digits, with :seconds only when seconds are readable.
1:42:31
